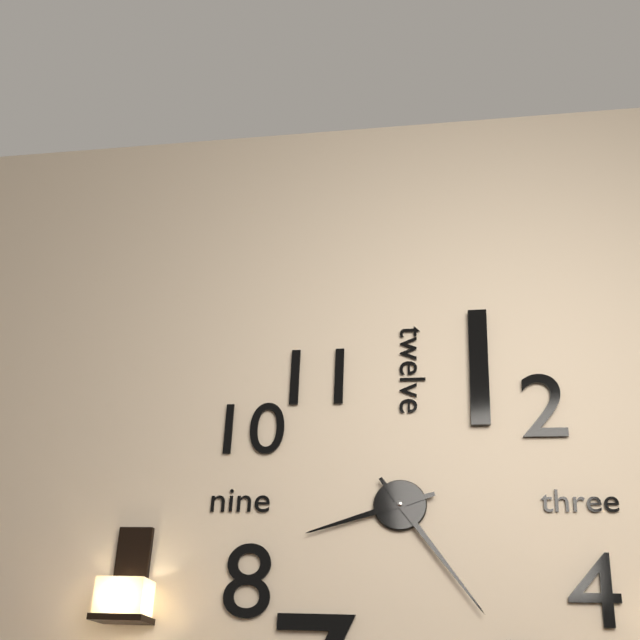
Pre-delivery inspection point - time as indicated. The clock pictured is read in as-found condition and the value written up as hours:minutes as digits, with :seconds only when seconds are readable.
8:24
